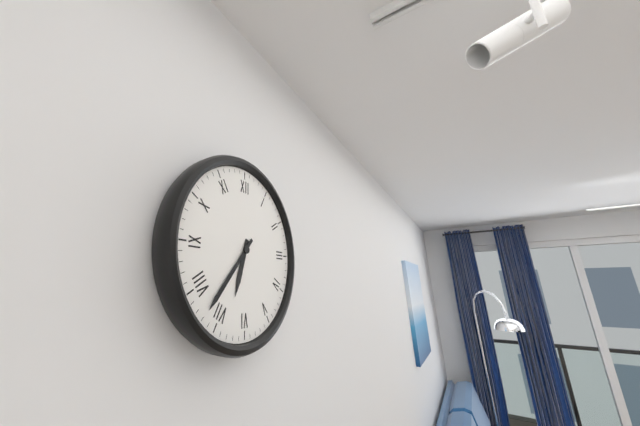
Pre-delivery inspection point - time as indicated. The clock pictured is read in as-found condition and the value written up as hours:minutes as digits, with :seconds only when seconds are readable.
6:37
